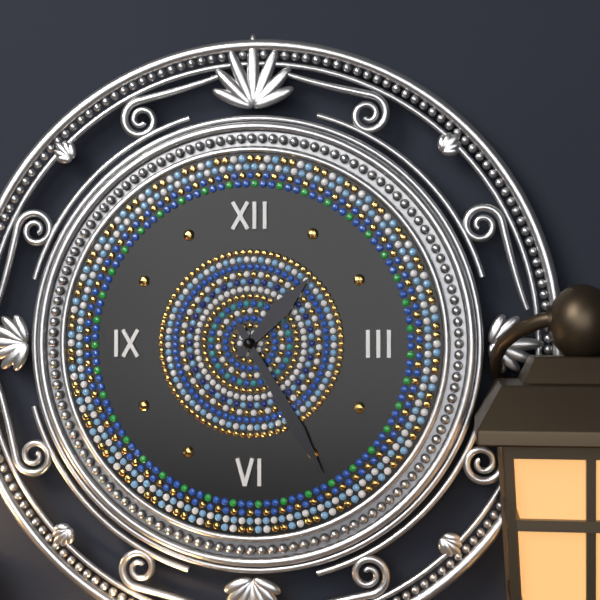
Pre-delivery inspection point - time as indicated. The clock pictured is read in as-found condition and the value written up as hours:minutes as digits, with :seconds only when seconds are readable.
1:25
